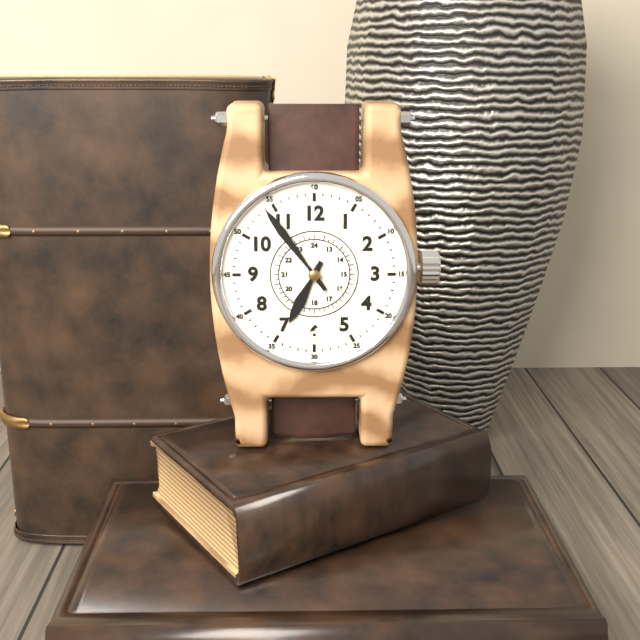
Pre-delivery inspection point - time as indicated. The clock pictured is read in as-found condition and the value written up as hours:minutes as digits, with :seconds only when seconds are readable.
6:54
